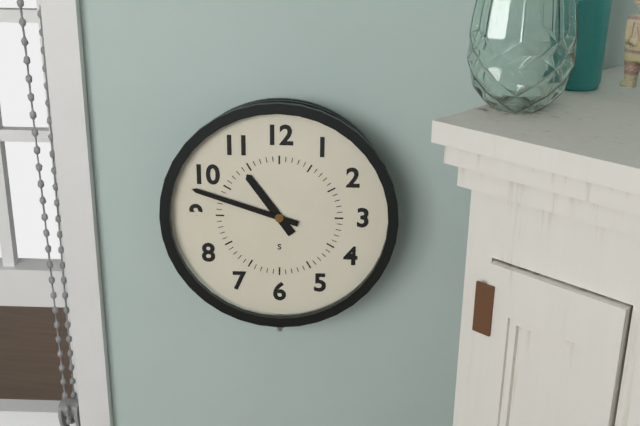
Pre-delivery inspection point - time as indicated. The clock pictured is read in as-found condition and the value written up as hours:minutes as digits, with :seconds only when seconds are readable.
10:48
